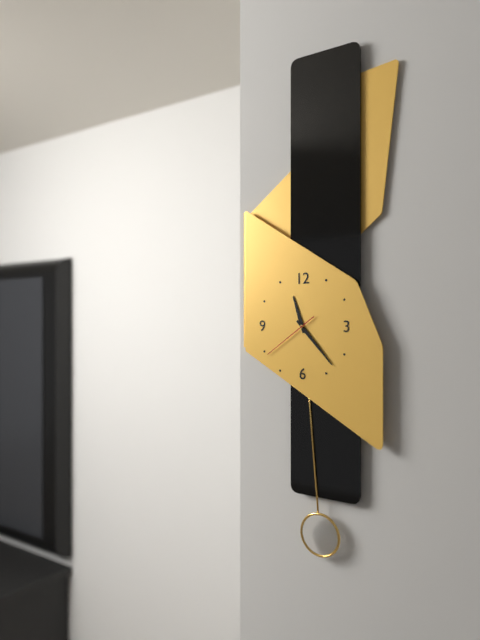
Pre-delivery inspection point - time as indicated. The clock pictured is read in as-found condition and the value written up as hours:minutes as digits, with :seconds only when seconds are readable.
11:23:39
